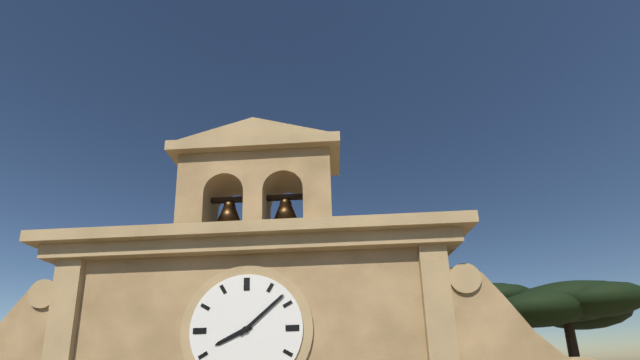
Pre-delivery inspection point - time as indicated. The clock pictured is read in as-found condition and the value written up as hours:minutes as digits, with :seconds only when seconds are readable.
8:08
